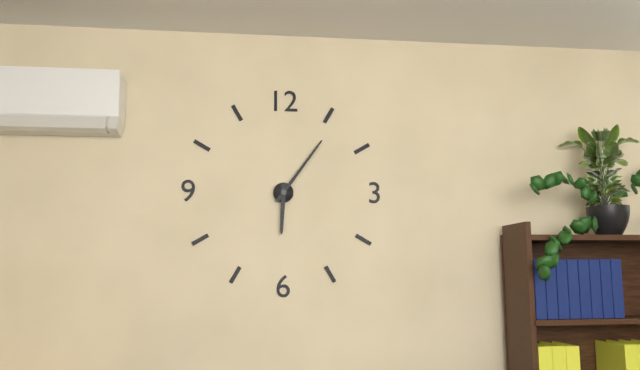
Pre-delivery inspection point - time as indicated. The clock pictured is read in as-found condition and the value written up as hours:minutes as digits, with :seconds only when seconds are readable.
6:06
